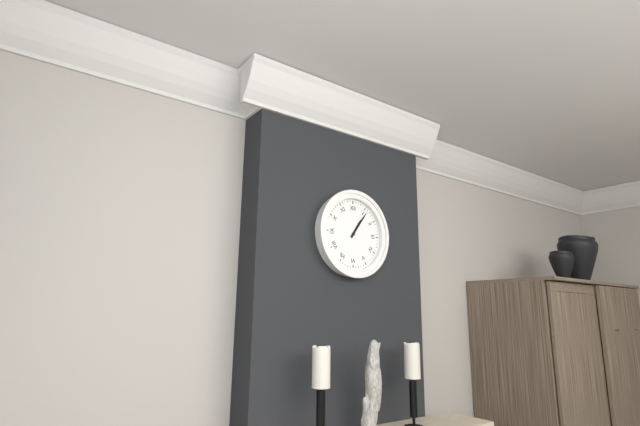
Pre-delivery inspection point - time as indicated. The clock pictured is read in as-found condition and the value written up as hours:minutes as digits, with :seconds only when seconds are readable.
1:06
